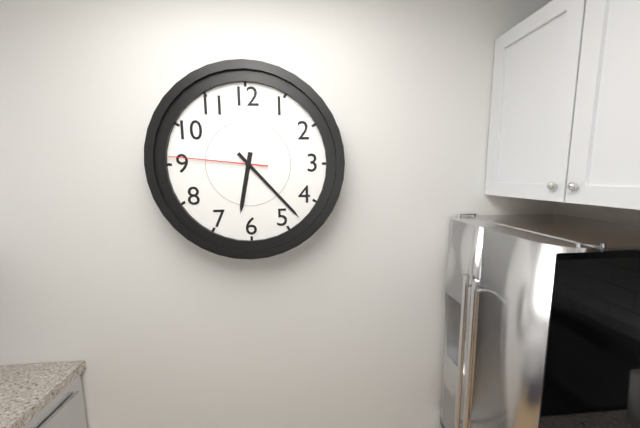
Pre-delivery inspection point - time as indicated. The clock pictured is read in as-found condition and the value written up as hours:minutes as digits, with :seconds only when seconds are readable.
6:23:46
